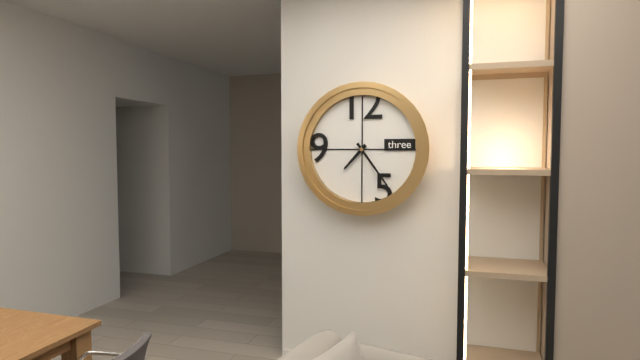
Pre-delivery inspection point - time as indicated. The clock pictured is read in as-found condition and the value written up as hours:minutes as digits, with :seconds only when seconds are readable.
7:24
